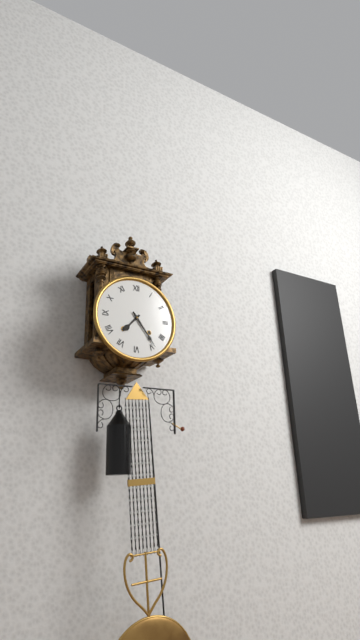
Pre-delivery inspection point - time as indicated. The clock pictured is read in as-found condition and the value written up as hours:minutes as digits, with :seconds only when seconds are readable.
7:24
